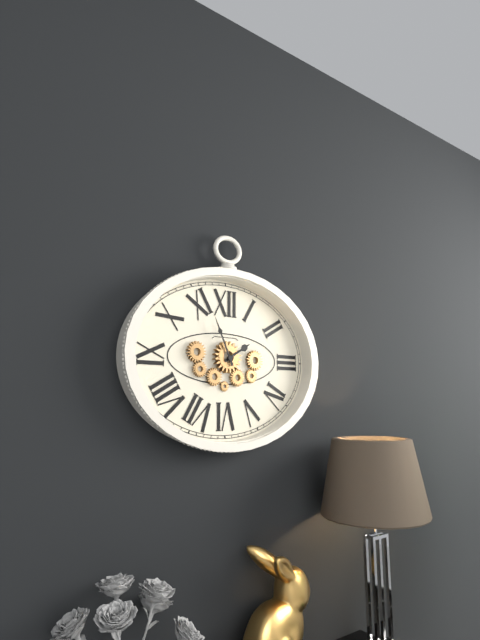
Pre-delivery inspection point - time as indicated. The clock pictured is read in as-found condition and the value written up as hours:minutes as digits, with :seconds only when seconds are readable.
1:56
